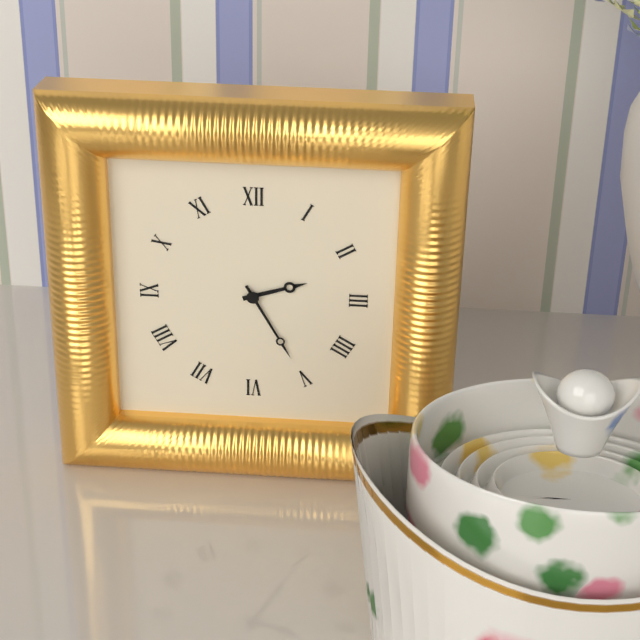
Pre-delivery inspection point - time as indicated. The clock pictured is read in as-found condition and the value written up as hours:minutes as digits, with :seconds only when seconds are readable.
2:25
